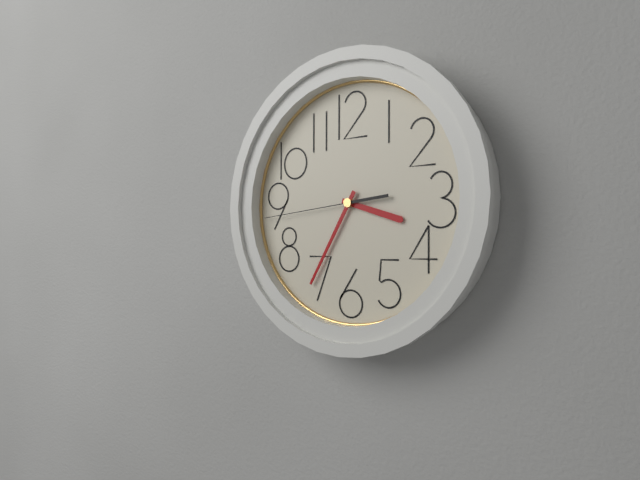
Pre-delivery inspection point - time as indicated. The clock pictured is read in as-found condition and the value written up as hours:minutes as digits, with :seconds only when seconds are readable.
3:35:44
